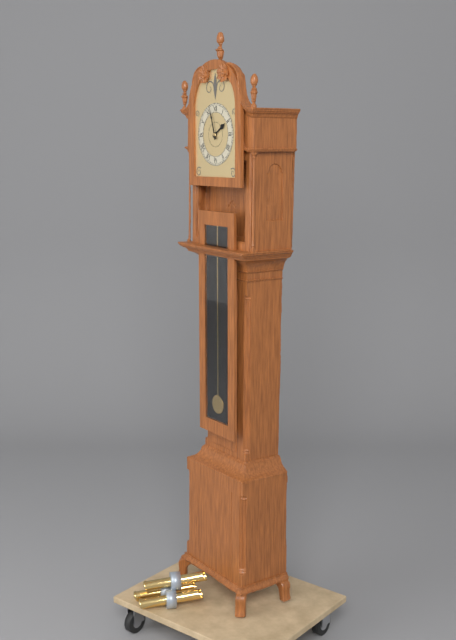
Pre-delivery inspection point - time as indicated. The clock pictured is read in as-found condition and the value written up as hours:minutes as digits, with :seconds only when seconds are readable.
1:57
